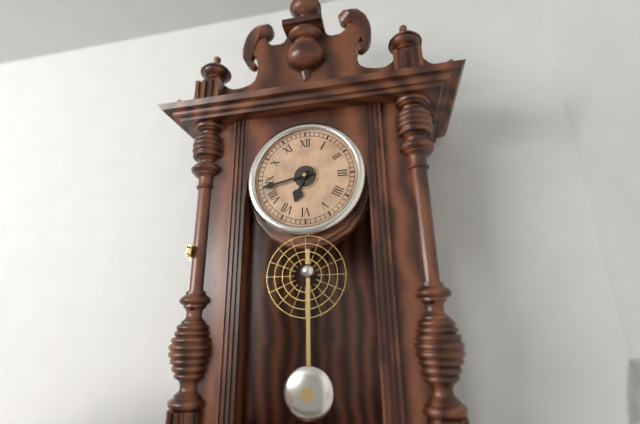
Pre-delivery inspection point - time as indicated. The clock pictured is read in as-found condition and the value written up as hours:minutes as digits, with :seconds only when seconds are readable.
6:43
